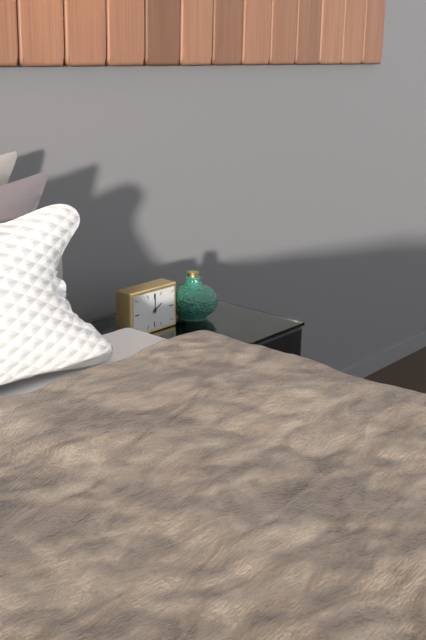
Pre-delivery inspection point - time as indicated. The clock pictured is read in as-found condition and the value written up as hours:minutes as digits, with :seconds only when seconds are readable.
2:00
